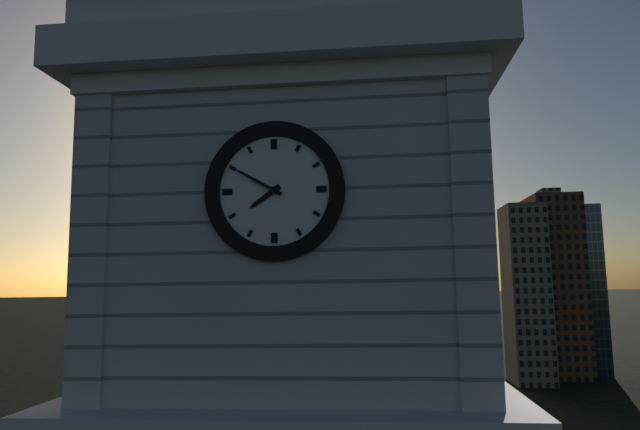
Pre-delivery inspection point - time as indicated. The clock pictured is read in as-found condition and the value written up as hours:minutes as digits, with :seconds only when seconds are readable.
7:50
